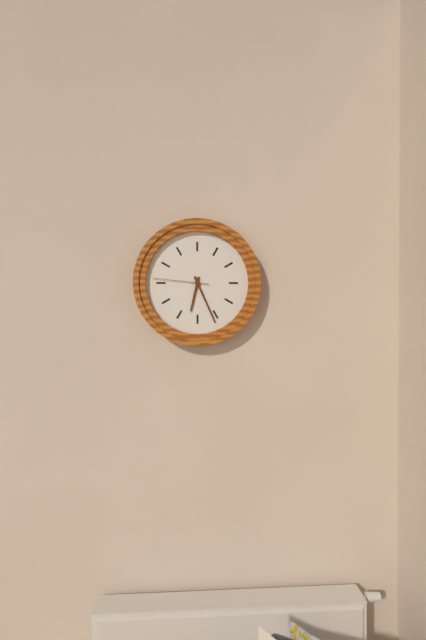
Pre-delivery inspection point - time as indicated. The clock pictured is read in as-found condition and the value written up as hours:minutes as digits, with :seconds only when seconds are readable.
6:26:46
